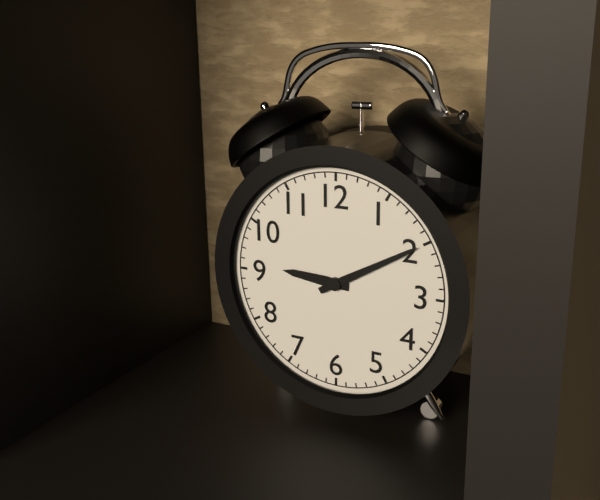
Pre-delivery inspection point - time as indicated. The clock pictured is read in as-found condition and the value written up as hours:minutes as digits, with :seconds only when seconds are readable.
9:10
